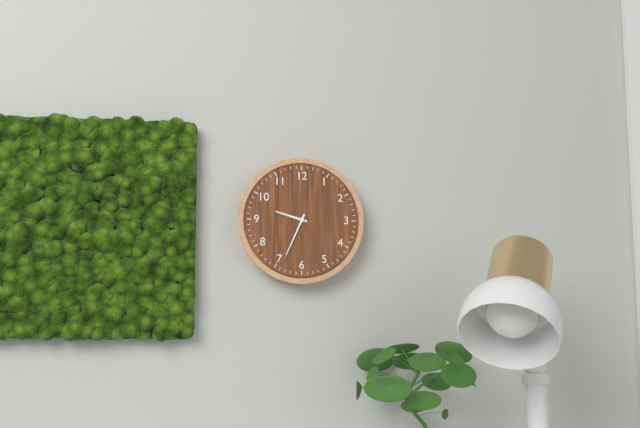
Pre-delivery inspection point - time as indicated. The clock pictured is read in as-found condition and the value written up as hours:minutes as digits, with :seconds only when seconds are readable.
9:34
